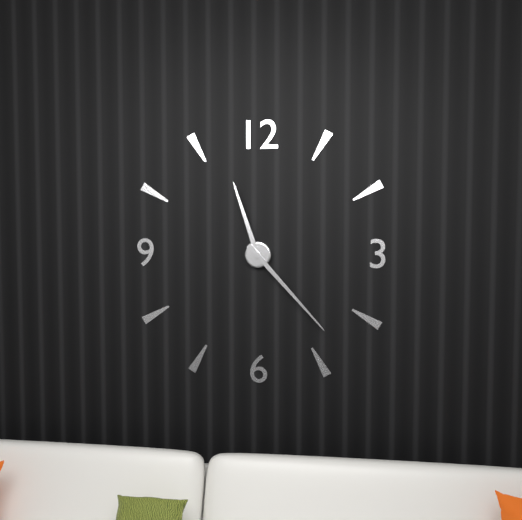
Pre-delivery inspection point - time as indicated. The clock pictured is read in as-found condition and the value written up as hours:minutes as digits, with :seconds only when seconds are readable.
11:23
